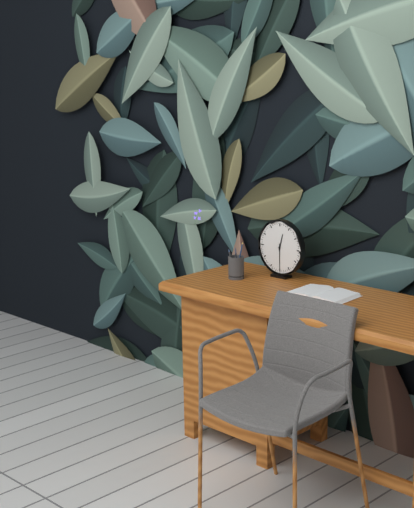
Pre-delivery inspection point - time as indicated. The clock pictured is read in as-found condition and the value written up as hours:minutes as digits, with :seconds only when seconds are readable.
12:30
